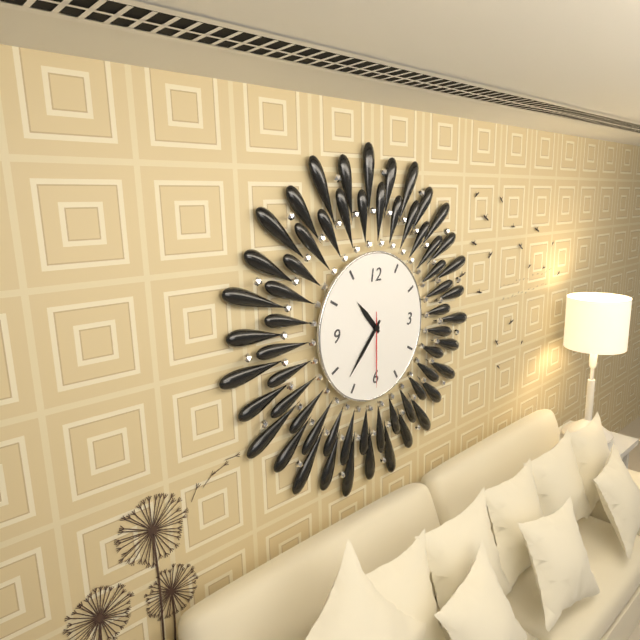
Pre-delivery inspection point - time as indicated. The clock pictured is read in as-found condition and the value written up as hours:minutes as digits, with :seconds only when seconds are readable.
10:37:30
